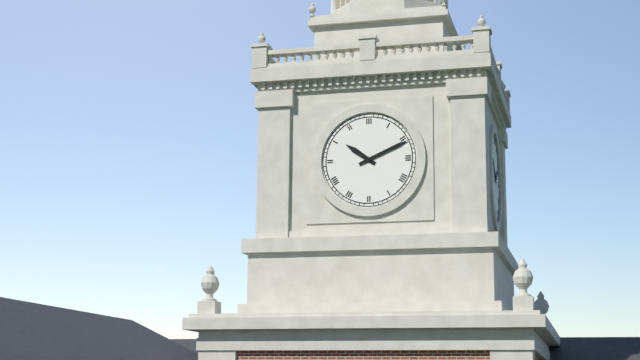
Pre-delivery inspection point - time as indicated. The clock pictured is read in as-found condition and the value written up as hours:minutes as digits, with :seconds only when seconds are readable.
10:11
